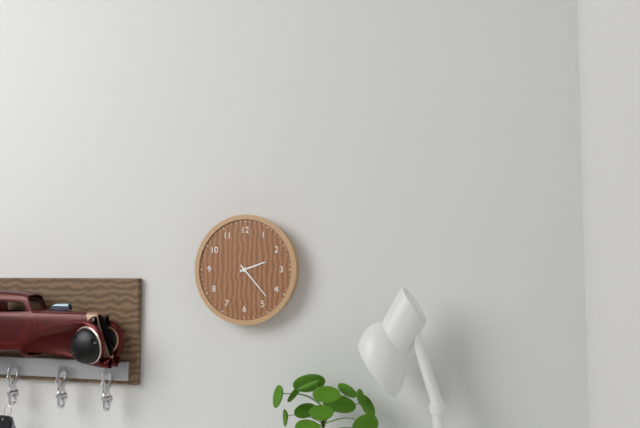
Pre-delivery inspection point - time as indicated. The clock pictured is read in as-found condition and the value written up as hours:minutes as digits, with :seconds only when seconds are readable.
2:23
